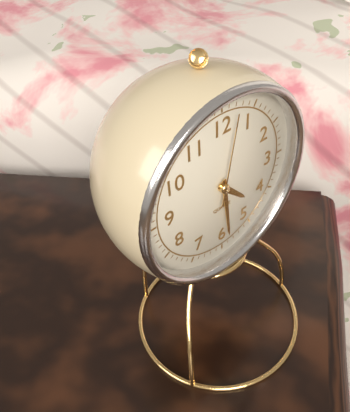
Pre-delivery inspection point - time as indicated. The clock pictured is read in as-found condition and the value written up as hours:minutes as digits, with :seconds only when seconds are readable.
4:29:02
